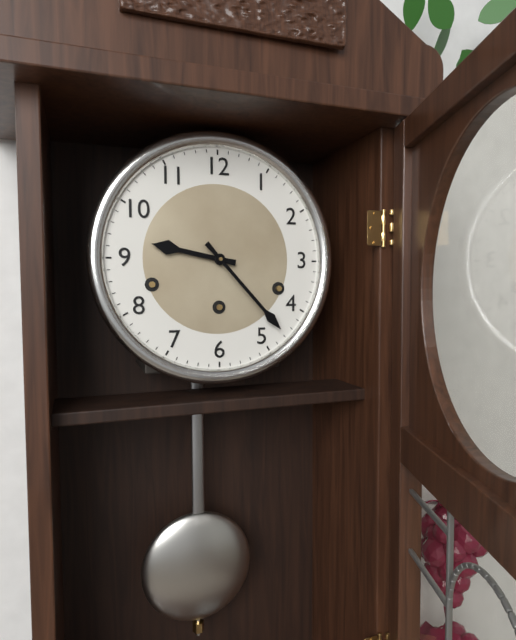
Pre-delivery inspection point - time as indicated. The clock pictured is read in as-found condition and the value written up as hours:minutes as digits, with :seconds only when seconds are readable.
9:23
